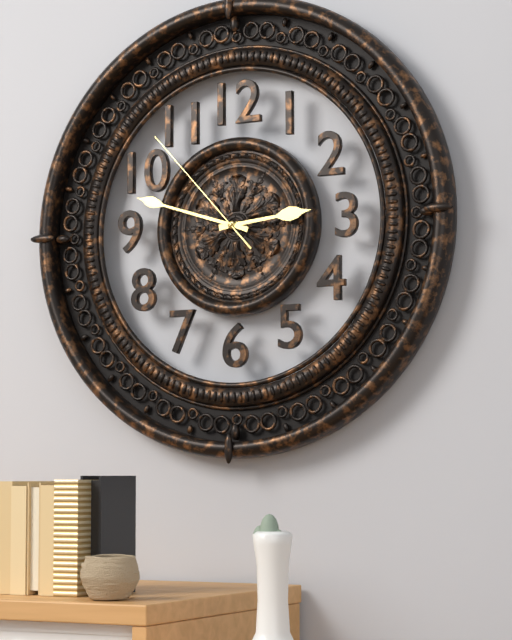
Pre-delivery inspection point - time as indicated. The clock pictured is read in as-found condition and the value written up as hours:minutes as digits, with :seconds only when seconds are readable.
2:48:53
